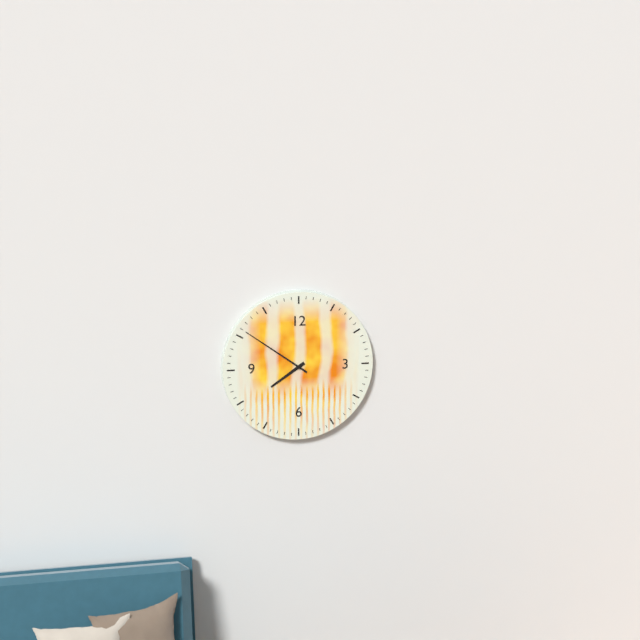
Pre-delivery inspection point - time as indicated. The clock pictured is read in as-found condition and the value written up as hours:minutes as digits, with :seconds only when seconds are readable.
7:51
